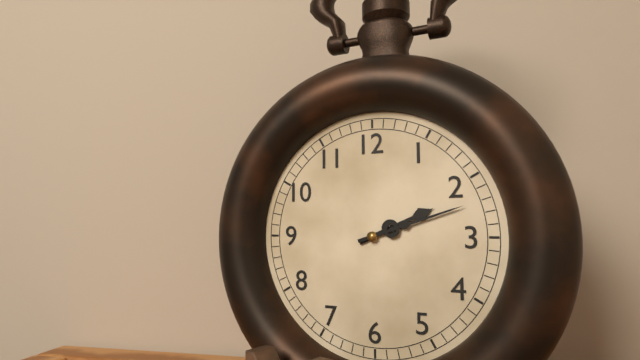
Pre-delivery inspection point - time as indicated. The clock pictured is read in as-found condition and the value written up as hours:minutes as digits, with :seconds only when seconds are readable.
2:12
